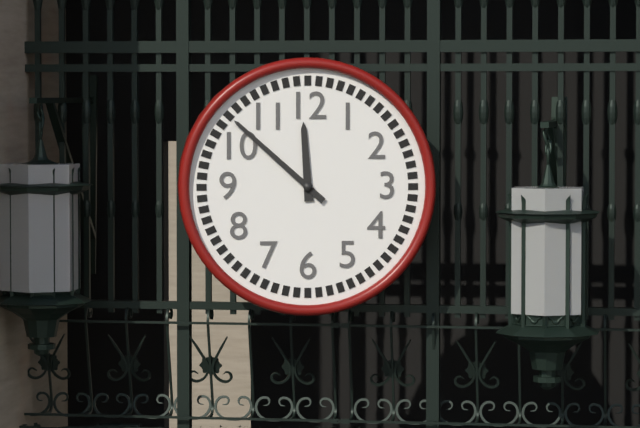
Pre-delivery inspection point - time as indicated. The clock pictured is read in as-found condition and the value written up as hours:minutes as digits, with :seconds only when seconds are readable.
11:52
